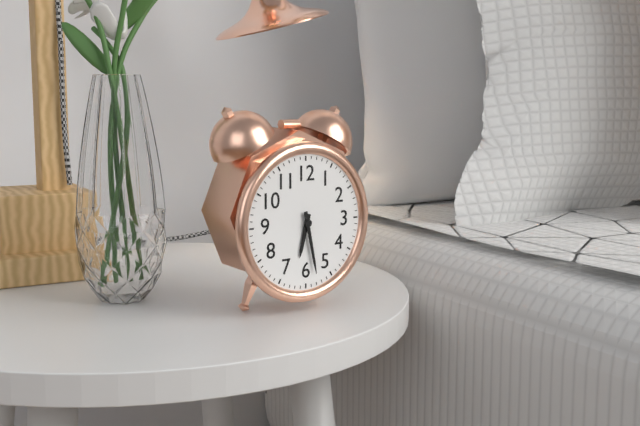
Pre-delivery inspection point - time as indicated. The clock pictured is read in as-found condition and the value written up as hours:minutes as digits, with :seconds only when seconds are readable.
6:28
